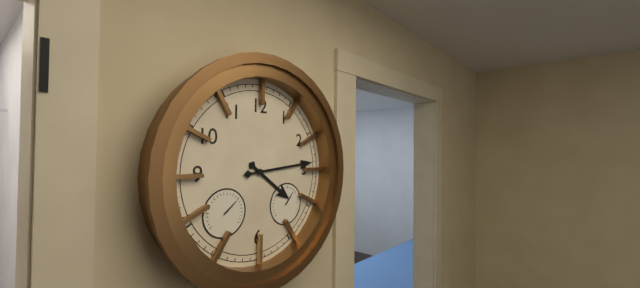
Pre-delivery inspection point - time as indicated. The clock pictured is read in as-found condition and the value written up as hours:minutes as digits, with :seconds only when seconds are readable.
4:14
